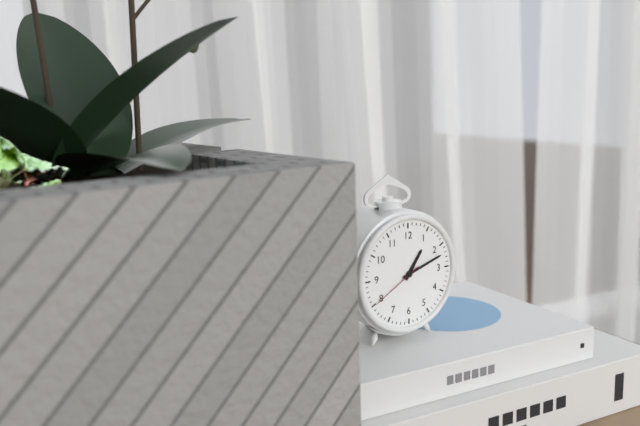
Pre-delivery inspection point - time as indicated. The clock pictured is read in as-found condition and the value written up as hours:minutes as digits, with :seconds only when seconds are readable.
1:12:40
